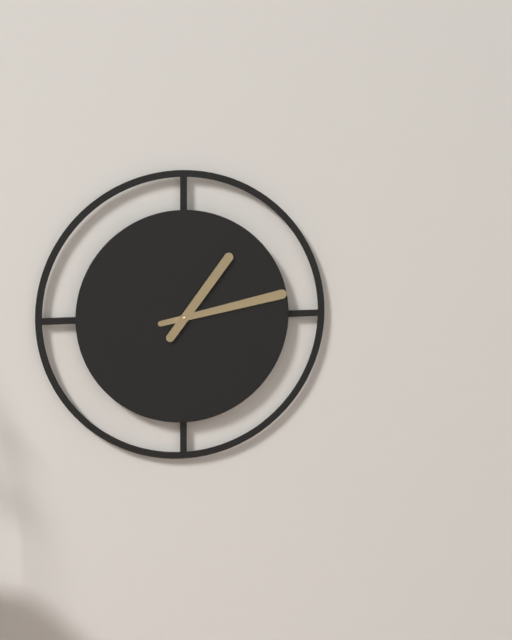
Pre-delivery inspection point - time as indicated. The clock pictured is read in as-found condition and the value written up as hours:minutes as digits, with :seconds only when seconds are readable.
1:13
